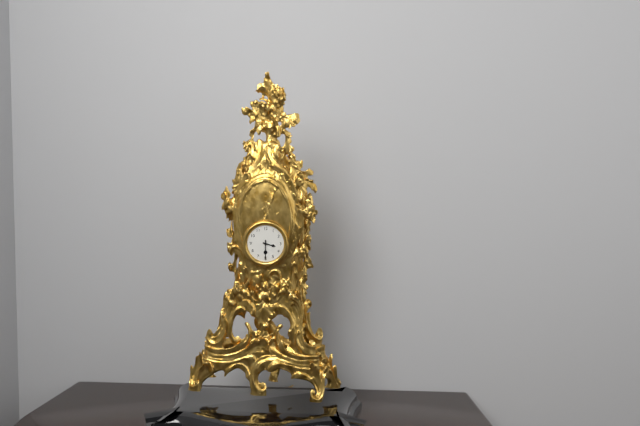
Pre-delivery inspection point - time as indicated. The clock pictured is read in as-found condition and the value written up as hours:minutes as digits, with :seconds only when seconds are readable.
3:30
